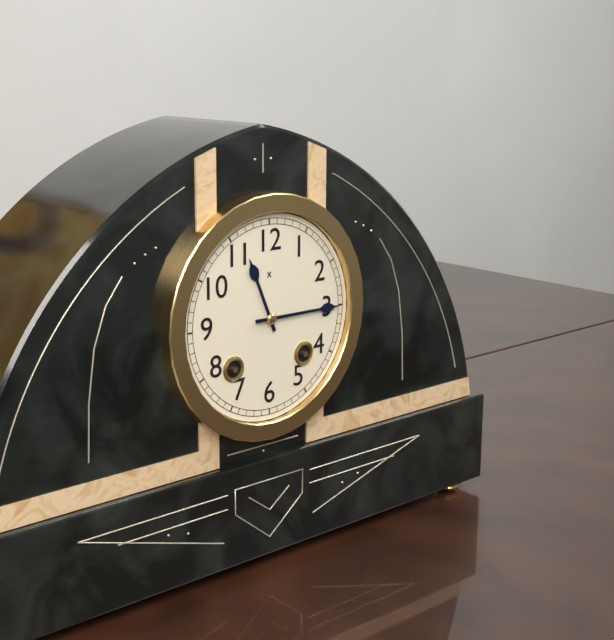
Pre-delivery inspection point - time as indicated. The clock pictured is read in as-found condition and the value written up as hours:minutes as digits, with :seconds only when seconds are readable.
11:15
